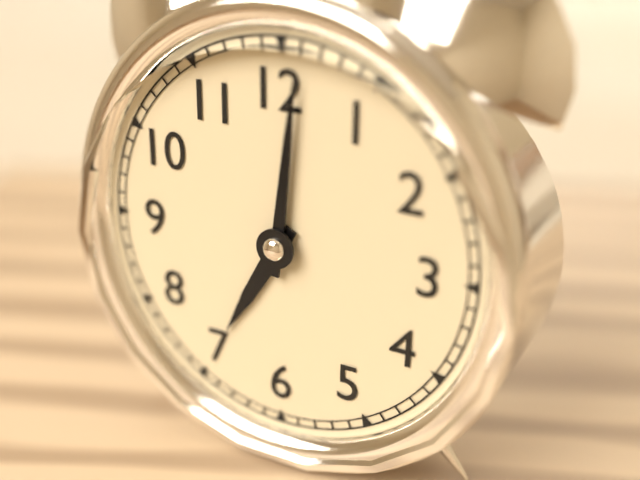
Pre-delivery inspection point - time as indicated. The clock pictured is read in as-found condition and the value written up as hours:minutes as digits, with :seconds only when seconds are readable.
7:01
